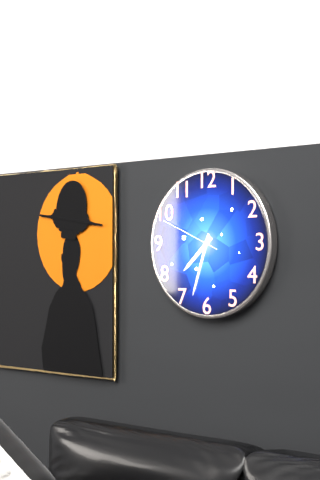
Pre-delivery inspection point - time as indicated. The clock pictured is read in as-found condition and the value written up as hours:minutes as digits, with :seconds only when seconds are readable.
7:33:49
